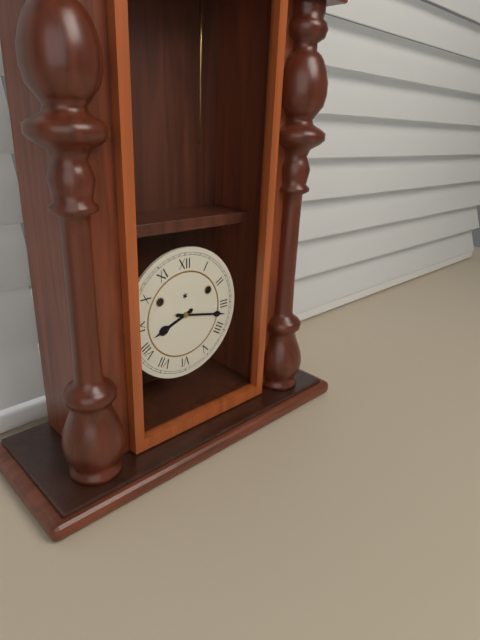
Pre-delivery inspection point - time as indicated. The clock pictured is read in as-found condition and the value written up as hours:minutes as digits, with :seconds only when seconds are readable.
8:17
